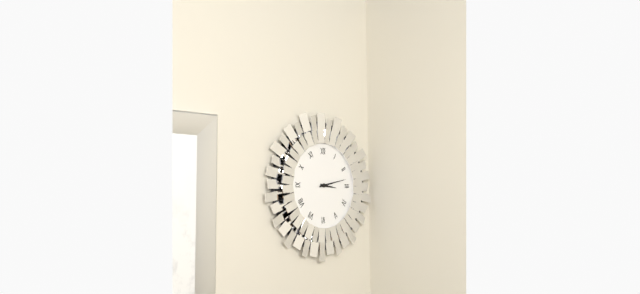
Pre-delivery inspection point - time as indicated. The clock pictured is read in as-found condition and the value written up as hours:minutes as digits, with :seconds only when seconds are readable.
3:13
